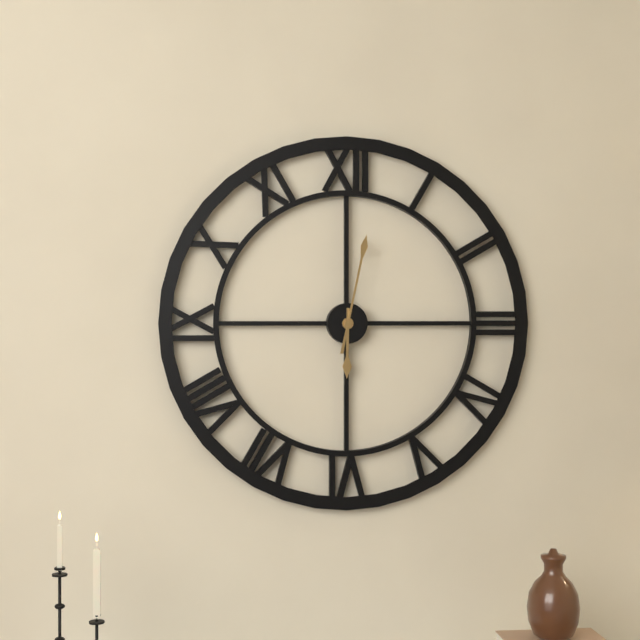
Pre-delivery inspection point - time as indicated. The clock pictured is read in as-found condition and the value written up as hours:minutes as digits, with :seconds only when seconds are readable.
6:02
